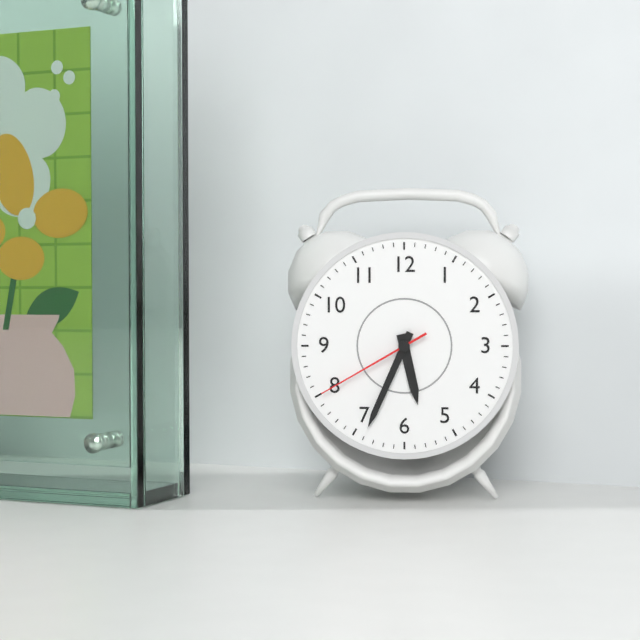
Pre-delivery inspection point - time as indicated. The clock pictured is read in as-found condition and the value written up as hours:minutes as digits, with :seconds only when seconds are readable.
5:34:40
